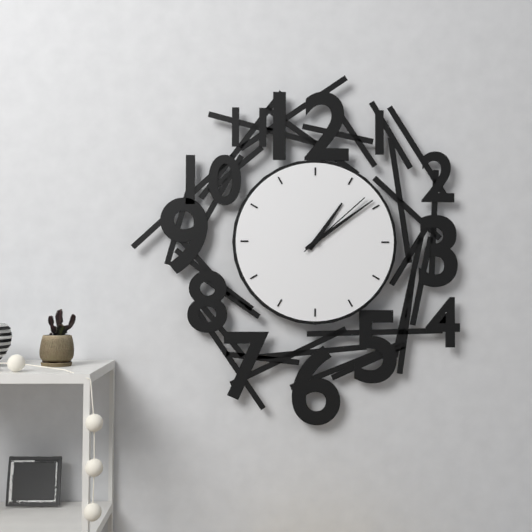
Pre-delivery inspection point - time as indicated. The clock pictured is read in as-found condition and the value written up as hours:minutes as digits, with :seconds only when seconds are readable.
1:09:08
